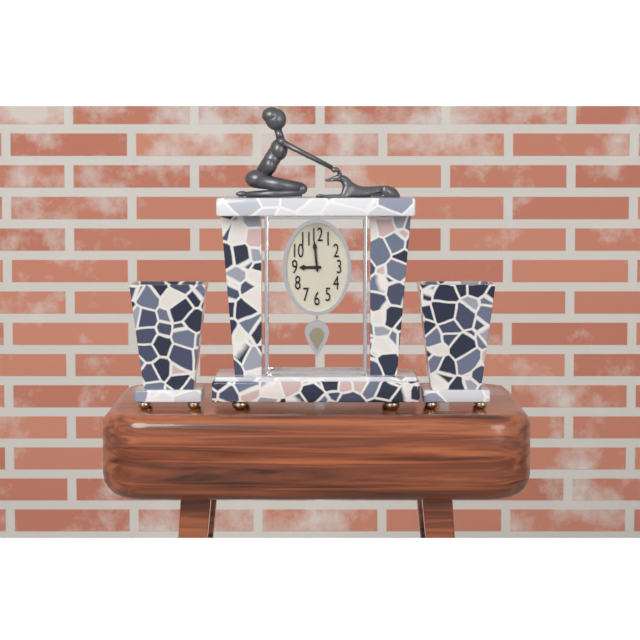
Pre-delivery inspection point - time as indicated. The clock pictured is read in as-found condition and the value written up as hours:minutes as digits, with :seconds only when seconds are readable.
8:59
